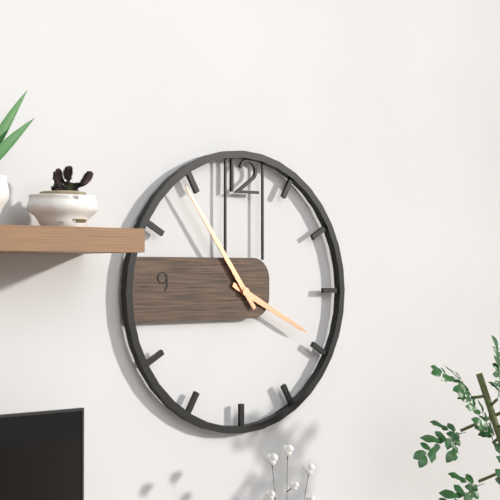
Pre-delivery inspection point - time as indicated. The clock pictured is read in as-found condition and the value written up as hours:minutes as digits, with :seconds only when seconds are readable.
3:54
